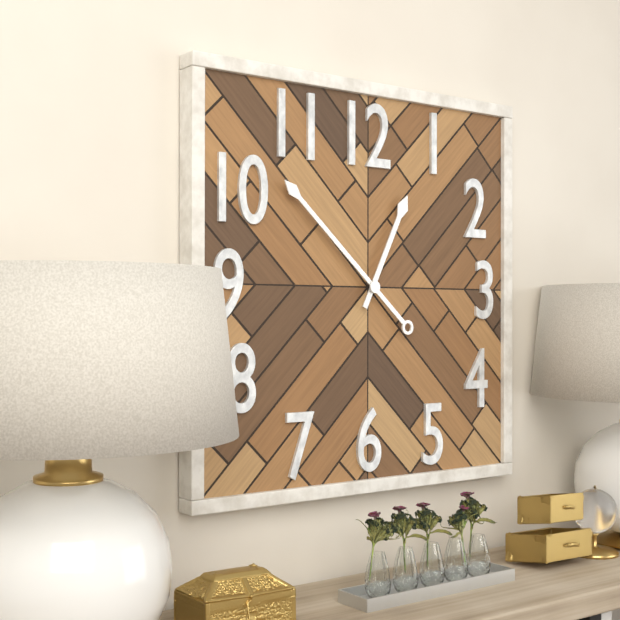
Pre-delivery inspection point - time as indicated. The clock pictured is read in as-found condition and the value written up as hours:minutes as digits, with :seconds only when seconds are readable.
12:52
